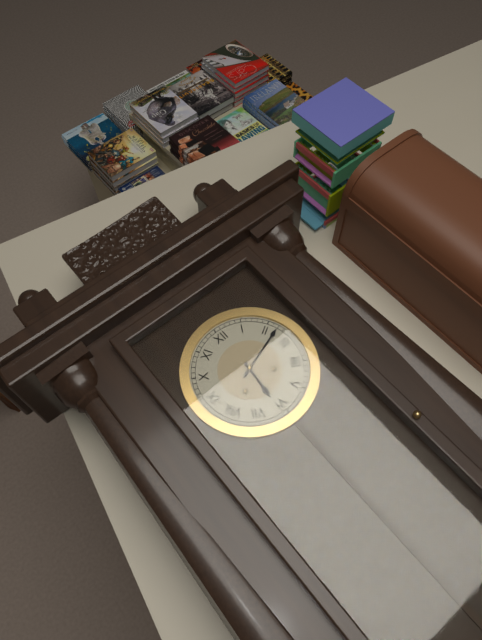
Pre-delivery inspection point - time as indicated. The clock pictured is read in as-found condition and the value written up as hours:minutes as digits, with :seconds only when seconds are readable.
6:12
